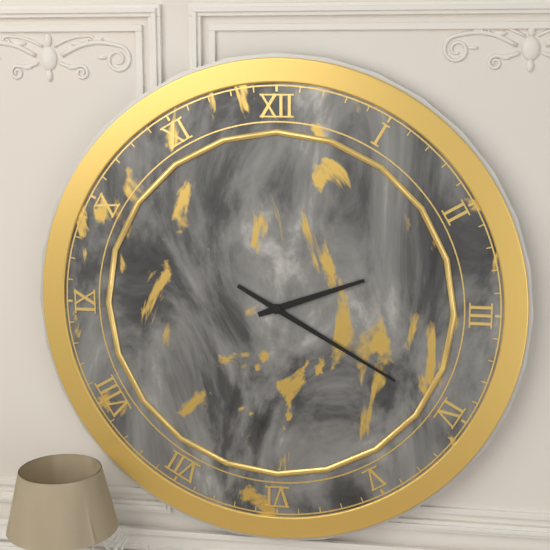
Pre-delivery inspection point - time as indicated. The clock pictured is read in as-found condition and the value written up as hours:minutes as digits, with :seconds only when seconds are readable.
2:20
